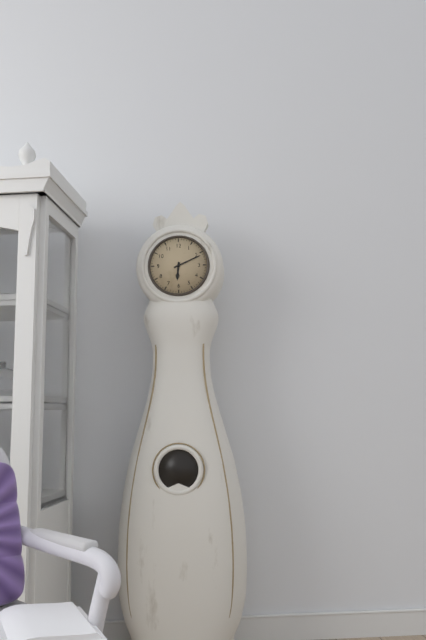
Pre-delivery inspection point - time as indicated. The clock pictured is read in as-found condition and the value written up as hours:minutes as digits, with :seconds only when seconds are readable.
6:11
